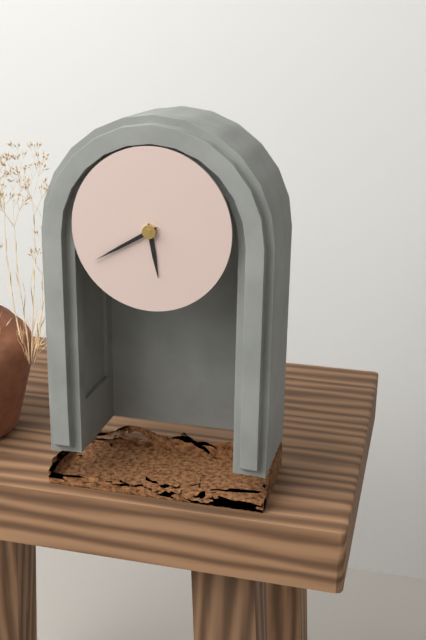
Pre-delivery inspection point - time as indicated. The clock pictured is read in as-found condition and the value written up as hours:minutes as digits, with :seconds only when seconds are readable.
5:40
